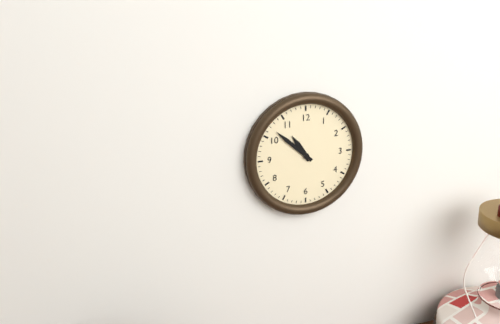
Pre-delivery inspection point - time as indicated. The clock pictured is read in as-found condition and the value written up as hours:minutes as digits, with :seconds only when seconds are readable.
10:52
